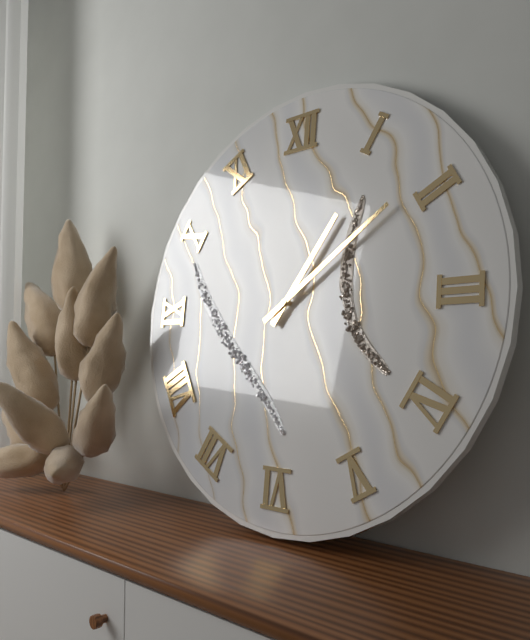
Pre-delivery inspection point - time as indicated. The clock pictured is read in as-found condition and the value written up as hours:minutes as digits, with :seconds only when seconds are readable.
1:09
